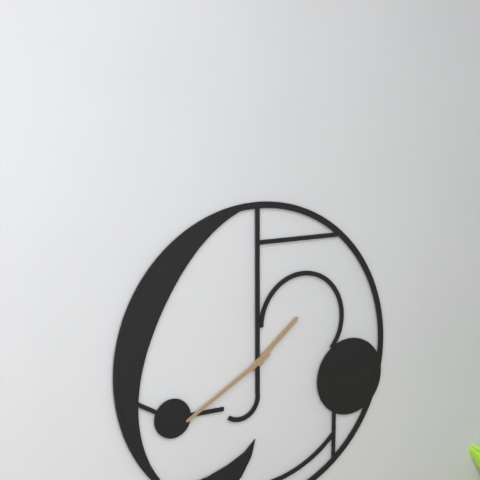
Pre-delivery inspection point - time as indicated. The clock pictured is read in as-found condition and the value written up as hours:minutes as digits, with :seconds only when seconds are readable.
1:40
